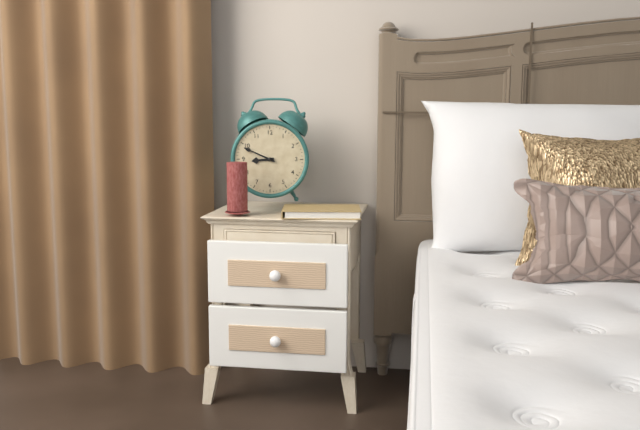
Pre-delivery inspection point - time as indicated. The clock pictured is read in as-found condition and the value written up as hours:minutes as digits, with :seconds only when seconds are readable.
8:49
